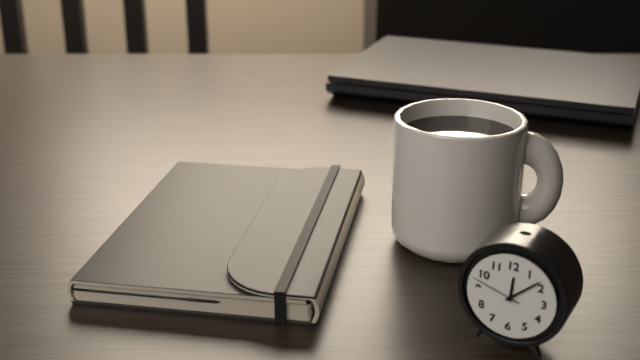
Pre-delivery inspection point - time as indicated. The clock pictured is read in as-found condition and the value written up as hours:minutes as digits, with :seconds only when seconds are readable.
12:08:48
